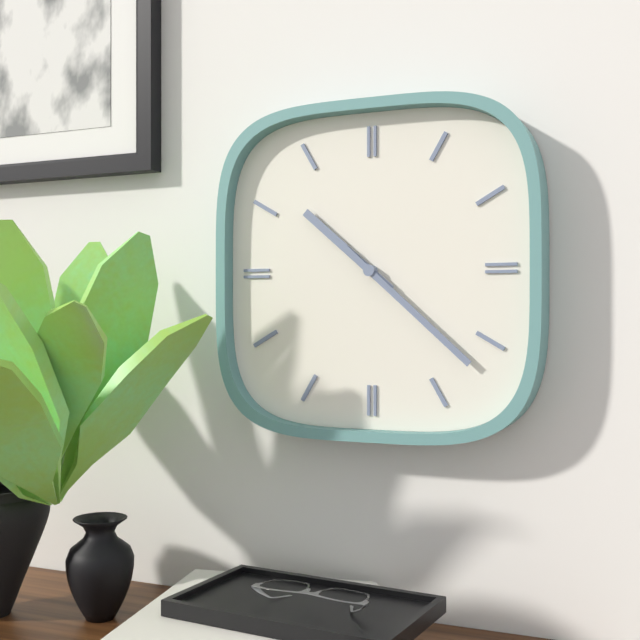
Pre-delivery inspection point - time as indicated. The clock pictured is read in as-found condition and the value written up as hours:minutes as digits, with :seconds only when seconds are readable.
10:22
